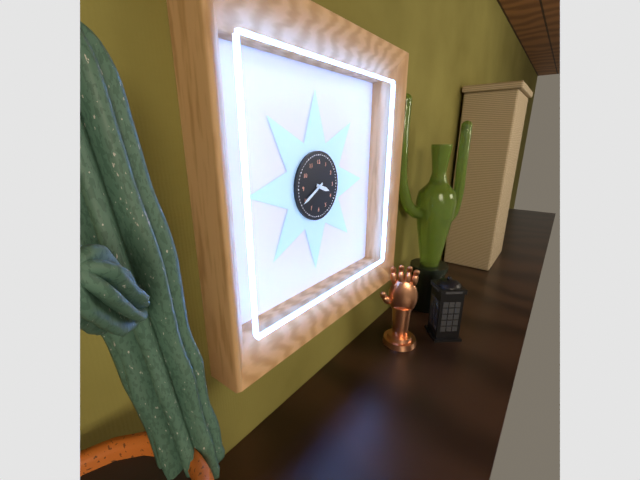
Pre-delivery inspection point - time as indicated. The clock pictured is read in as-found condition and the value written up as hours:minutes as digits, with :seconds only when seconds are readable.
3:40
